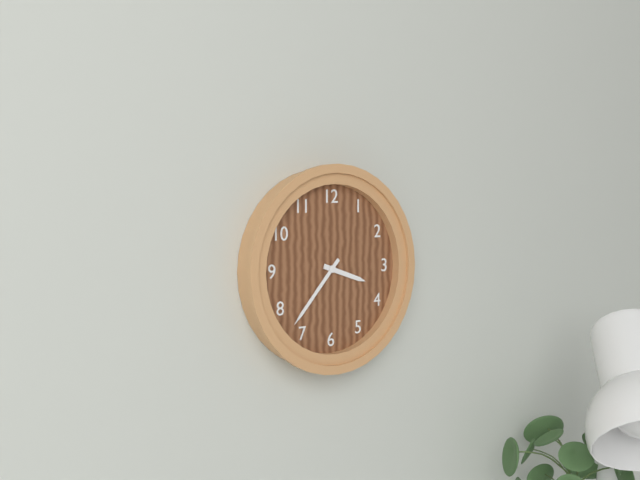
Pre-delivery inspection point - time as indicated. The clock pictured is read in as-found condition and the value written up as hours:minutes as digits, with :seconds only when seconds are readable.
3:37
